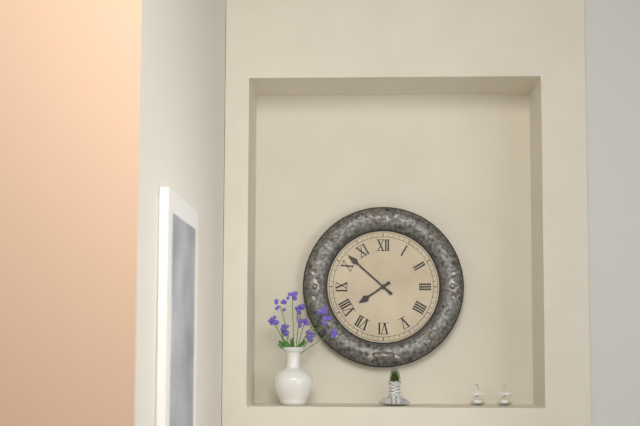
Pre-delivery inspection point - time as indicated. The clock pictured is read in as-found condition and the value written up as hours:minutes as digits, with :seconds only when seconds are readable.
7:52
